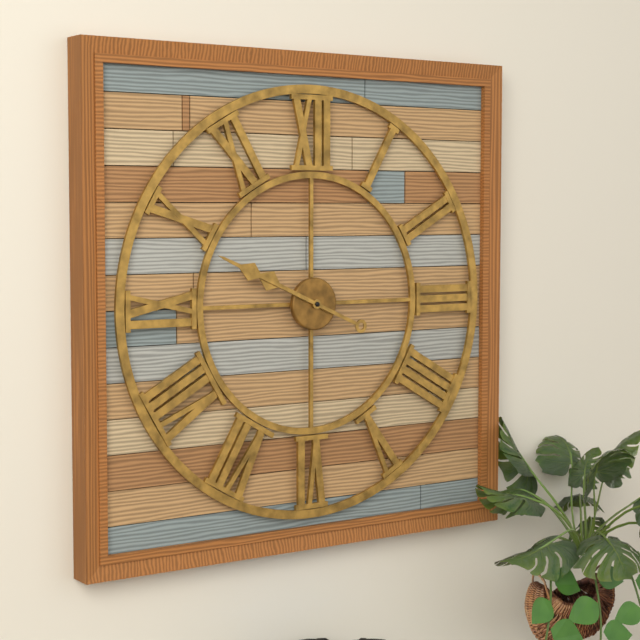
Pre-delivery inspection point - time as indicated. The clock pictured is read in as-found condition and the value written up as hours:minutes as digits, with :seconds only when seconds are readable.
9:49
